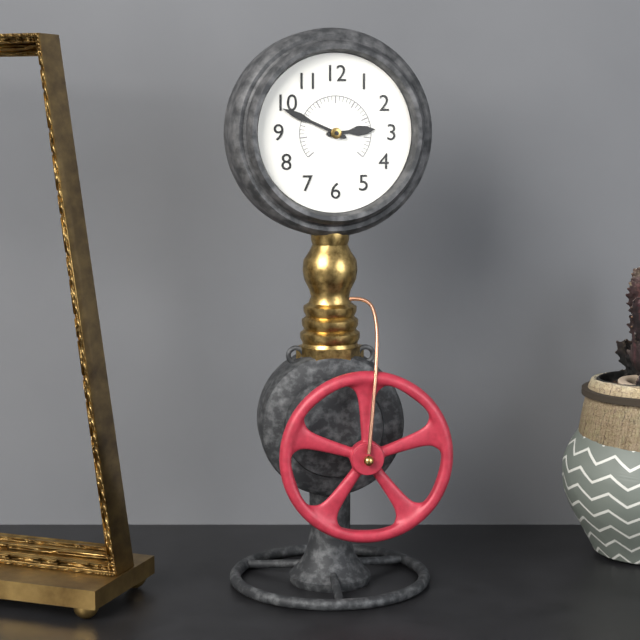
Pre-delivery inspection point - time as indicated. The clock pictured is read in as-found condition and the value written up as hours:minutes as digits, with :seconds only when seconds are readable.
2:49
